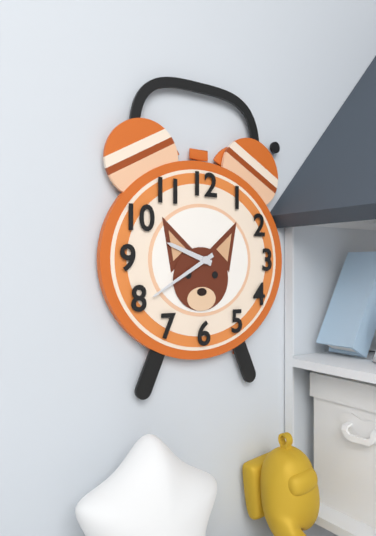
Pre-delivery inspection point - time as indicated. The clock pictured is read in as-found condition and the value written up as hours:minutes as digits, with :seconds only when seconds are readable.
9:40
